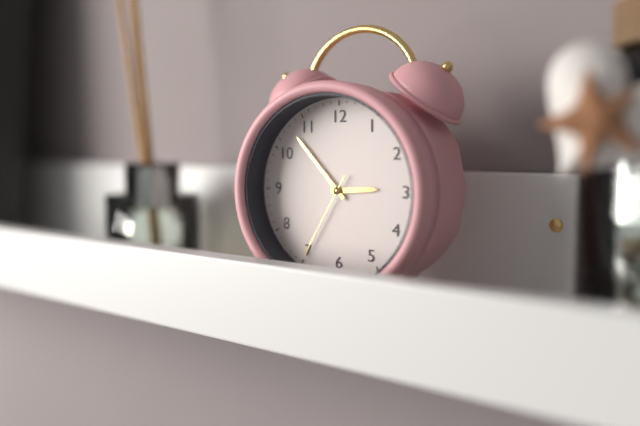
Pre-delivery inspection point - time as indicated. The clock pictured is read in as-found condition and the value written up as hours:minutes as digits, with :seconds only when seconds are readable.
2:53:35
